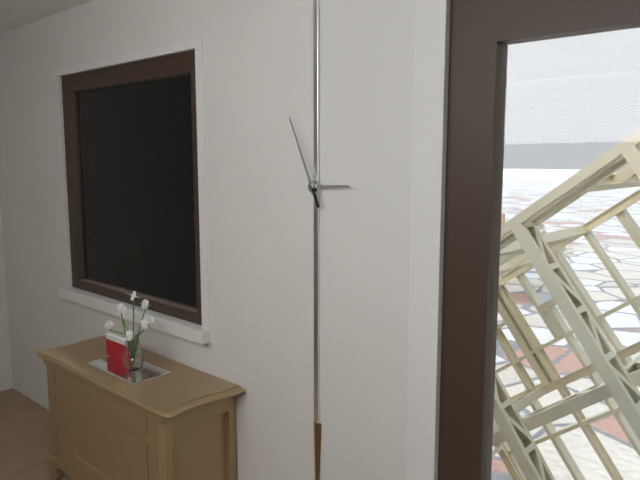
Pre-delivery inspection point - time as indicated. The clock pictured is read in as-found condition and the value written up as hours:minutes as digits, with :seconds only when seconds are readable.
2:56
